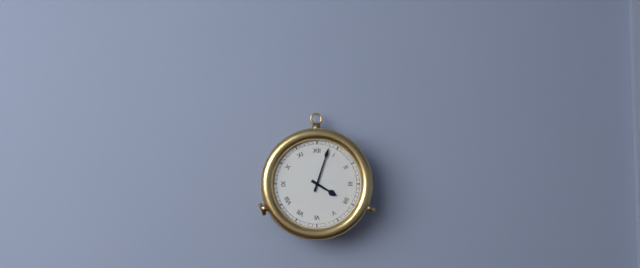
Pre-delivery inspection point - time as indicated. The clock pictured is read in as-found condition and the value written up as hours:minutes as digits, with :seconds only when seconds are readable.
4:03
